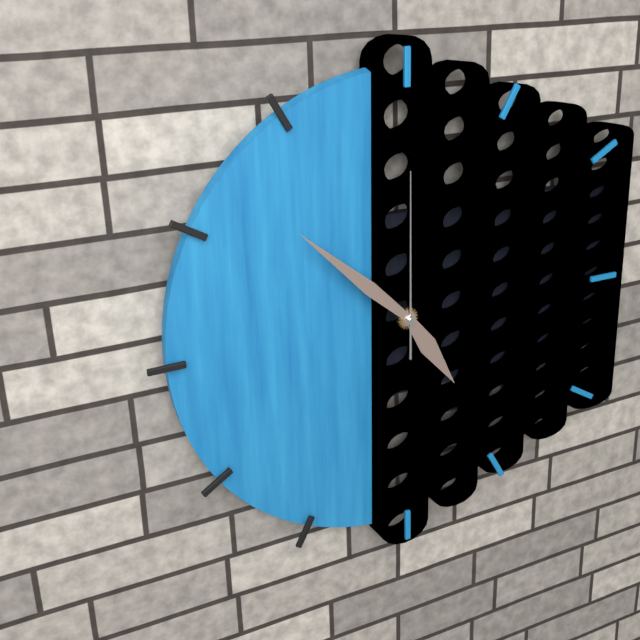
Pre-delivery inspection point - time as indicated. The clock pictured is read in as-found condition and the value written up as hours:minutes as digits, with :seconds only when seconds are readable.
4:52:00
